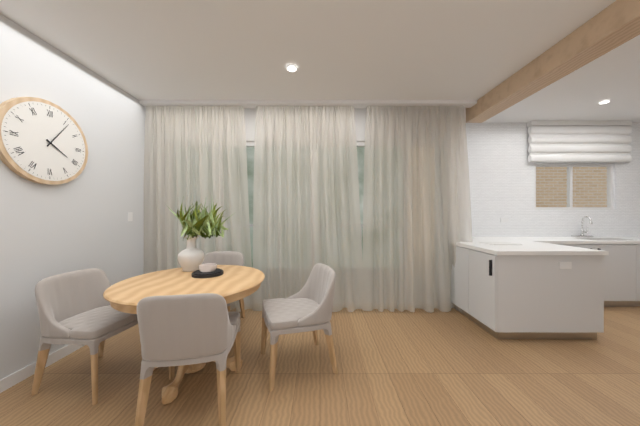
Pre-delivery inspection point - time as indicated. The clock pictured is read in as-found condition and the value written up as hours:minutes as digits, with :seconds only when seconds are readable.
4:06
